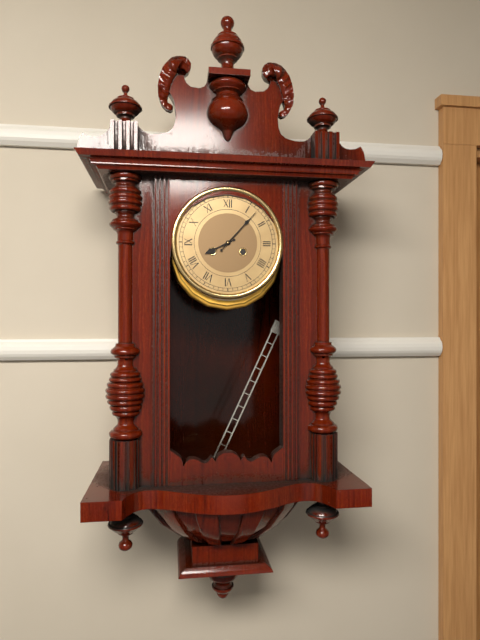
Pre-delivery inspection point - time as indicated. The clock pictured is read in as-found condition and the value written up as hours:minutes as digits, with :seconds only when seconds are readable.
8:07
